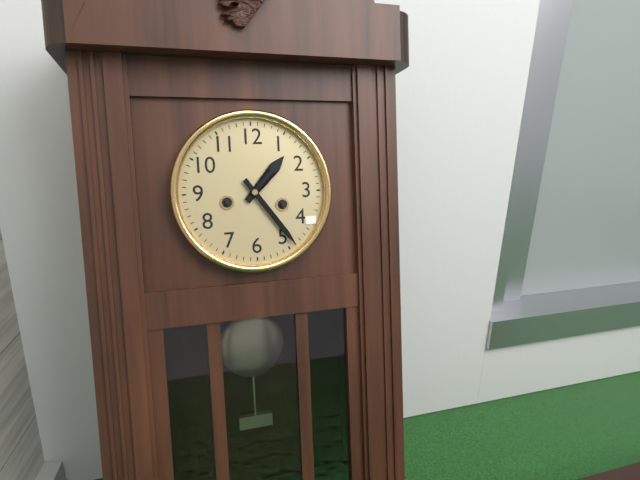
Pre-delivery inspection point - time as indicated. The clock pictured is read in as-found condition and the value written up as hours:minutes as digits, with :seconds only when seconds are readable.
1:24
